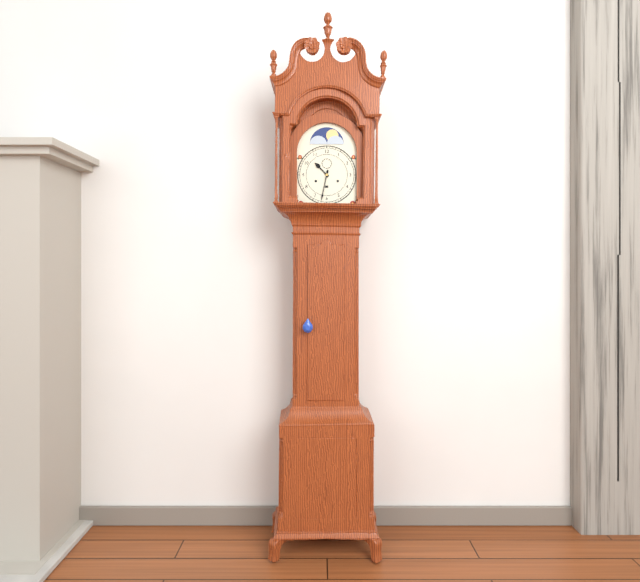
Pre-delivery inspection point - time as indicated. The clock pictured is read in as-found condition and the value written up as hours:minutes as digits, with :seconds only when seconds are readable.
10:32
